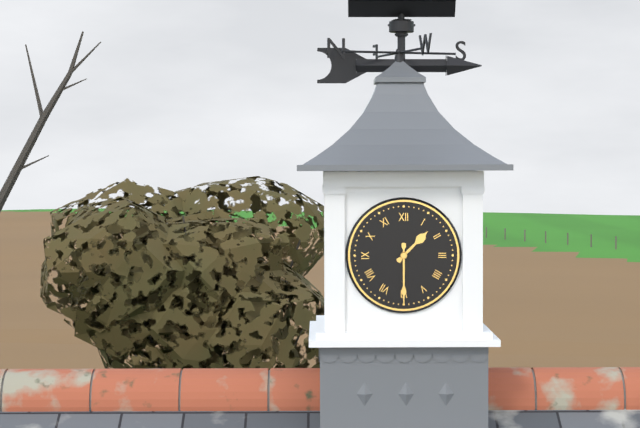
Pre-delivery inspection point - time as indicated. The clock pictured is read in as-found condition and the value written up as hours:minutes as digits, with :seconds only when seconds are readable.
1:30
